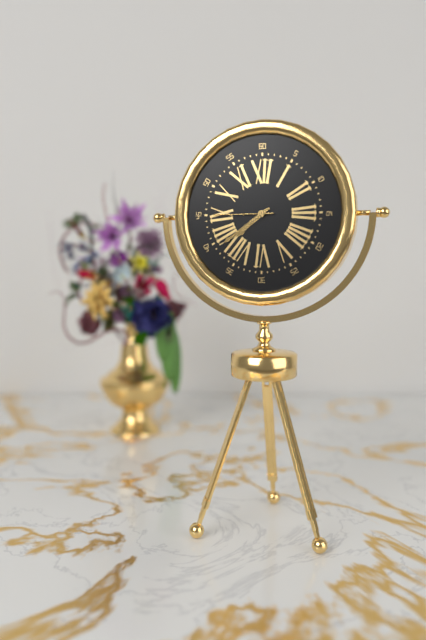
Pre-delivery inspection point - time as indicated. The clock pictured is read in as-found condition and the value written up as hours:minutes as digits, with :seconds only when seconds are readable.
7:39:45
